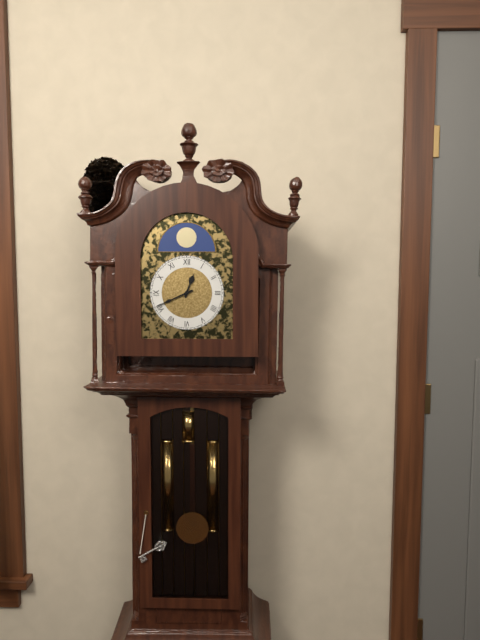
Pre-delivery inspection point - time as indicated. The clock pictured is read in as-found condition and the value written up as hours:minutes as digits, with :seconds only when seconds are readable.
12:41
